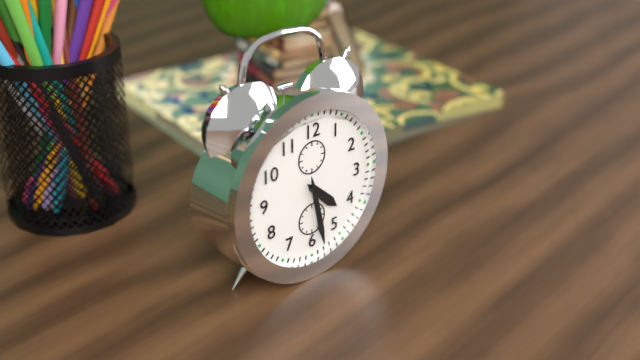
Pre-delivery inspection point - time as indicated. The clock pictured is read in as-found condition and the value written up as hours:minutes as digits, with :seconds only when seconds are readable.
4:28
